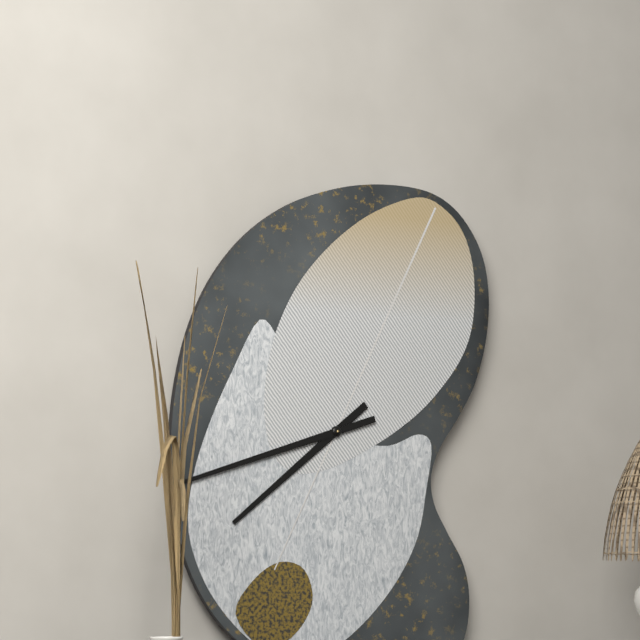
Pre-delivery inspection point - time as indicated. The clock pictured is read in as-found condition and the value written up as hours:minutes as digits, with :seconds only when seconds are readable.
7:42
